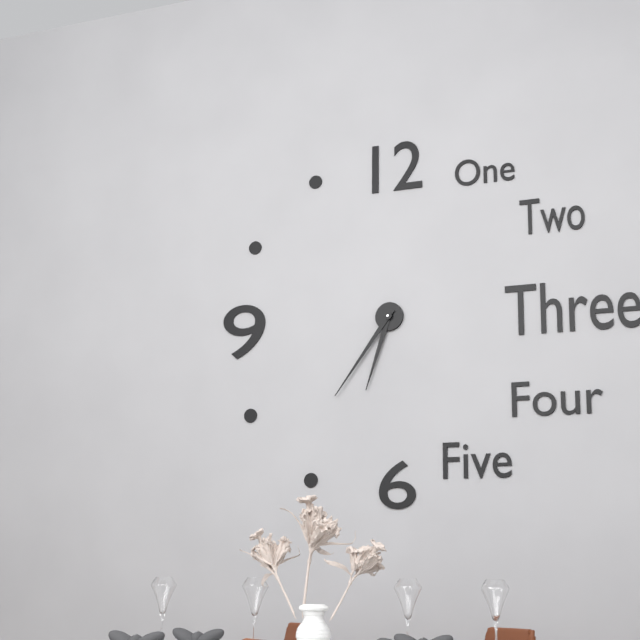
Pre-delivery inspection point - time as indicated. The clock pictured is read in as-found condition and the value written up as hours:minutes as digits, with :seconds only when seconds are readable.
6:36
